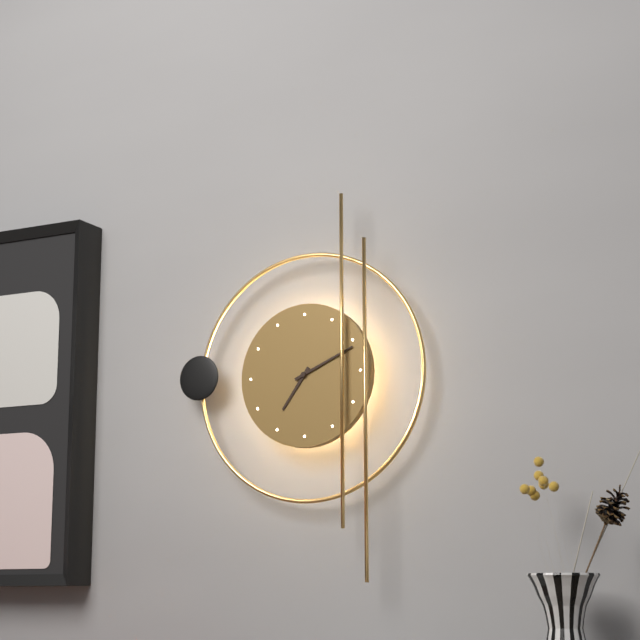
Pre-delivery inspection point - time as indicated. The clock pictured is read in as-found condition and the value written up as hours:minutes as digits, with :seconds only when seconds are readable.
7:11
